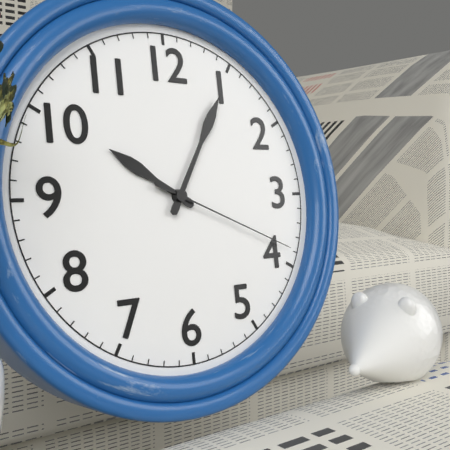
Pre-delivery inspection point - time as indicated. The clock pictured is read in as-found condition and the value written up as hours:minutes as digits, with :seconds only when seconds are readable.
10:05:19
